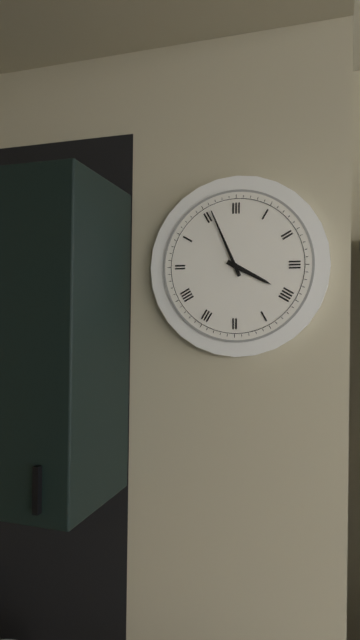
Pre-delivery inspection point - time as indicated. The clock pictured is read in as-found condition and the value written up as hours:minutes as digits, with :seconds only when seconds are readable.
3:56
